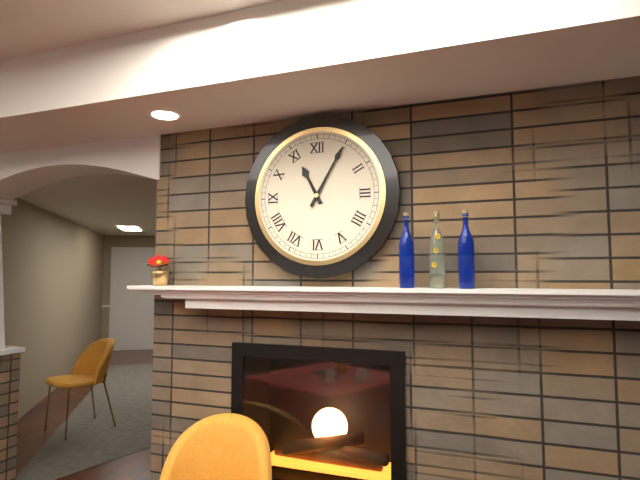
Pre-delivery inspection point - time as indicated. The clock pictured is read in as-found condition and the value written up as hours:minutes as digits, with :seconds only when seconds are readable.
11:05
